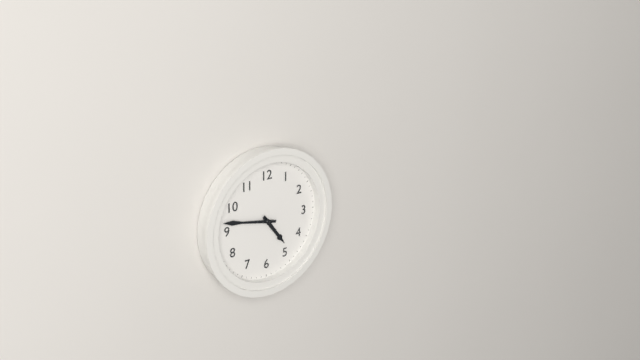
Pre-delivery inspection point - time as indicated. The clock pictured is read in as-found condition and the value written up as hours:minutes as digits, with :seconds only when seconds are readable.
4:47
